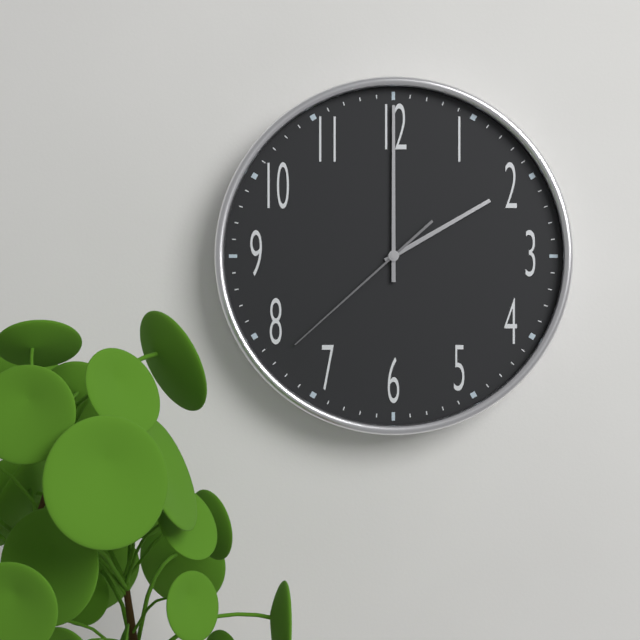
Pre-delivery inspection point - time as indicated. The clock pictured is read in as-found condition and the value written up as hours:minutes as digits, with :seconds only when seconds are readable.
2:00:38
